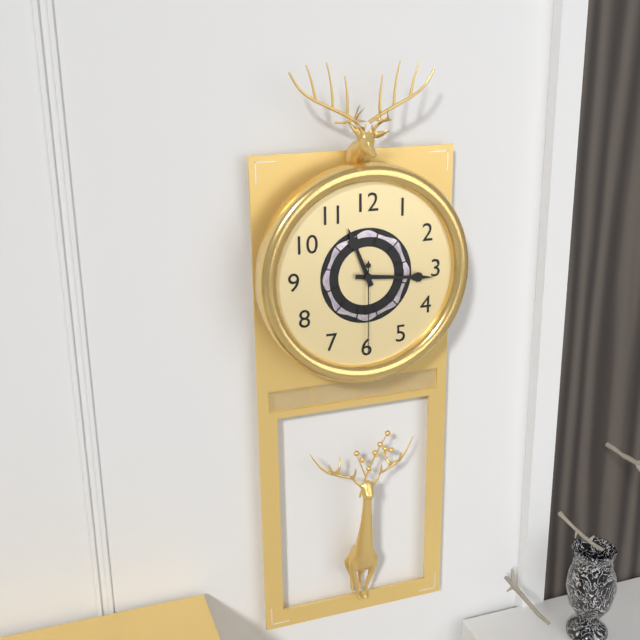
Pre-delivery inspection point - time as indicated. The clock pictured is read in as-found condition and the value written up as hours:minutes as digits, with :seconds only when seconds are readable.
11:16:30
